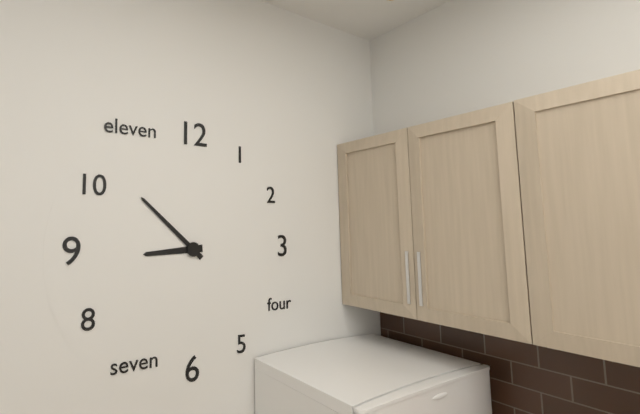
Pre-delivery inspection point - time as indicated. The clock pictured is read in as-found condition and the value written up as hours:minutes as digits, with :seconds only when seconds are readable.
8:52
